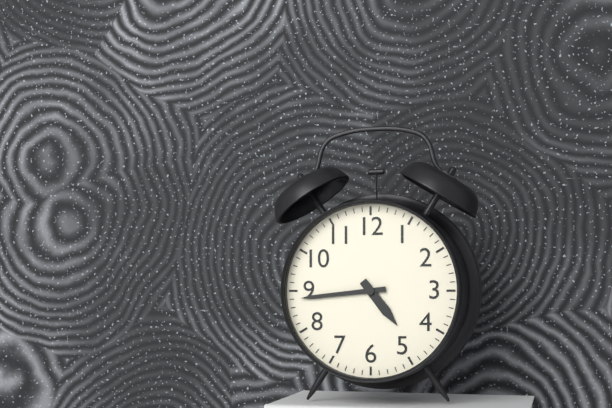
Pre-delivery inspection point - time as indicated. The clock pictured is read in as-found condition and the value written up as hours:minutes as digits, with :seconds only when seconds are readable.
4:44
